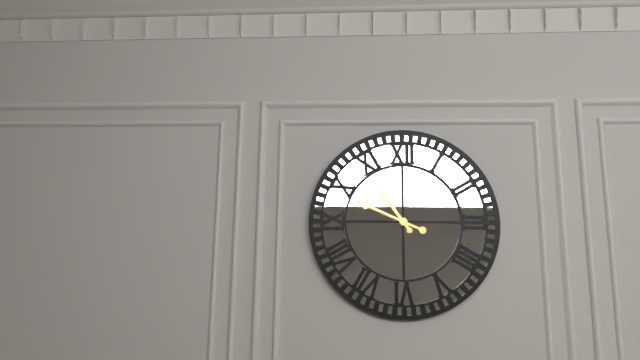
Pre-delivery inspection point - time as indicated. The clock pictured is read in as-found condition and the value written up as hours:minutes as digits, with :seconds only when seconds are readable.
10:49
